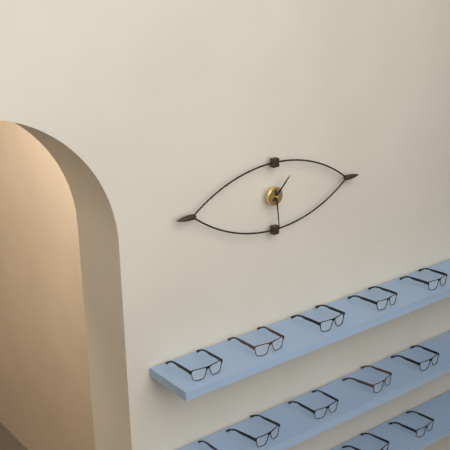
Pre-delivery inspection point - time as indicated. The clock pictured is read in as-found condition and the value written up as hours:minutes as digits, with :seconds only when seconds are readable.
1:29
